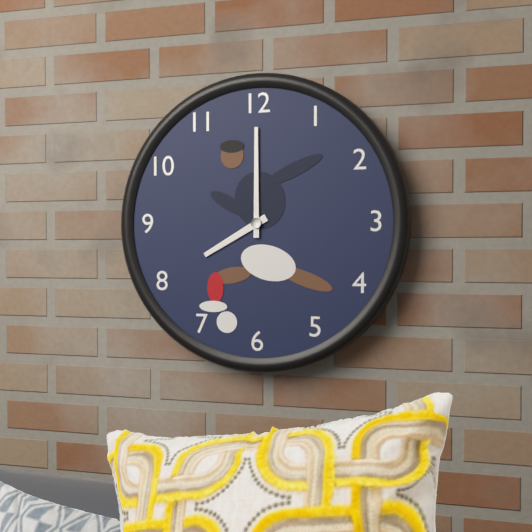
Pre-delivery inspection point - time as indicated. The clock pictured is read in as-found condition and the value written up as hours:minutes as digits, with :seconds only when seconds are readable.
8:00
